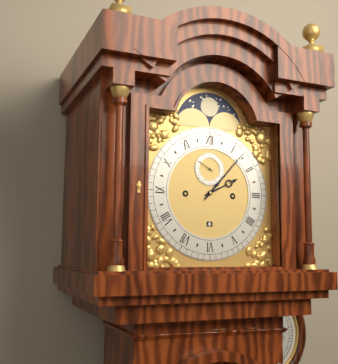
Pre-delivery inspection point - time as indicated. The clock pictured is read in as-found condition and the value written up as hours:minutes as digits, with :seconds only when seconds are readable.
2:07
